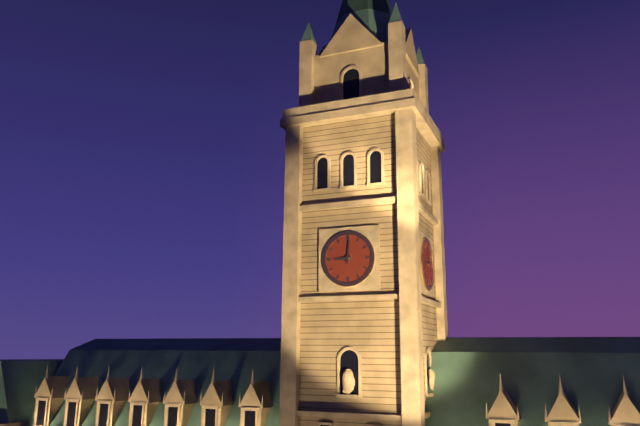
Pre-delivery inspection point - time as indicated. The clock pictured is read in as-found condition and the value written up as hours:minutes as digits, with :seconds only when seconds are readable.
9:01
